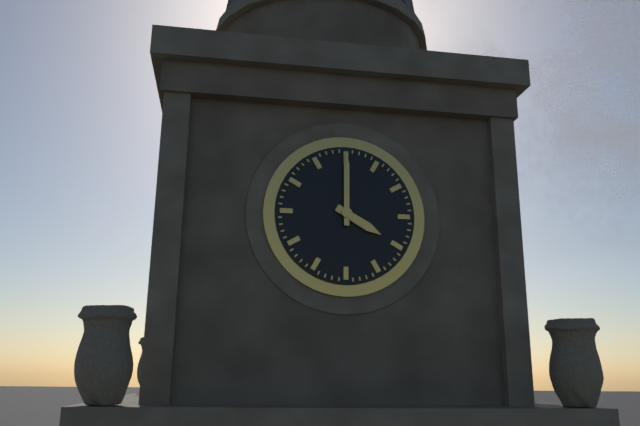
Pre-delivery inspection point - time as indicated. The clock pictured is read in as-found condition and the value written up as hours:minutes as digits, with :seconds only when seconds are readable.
4:00
